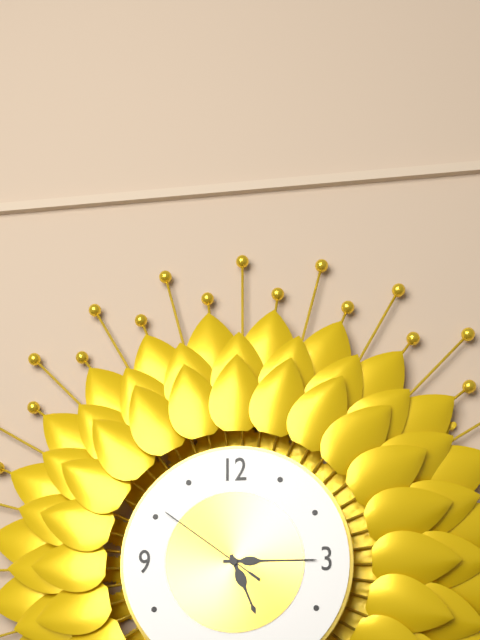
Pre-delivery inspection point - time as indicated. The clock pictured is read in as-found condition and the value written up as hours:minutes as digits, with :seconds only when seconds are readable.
5:15:51
